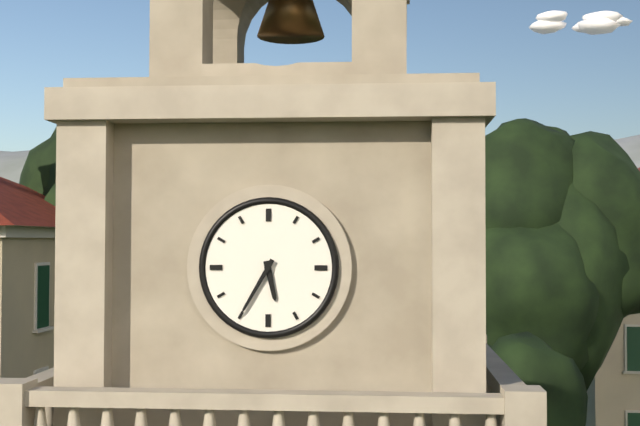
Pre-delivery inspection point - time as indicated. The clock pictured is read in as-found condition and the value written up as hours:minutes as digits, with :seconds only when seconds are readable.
5:35
